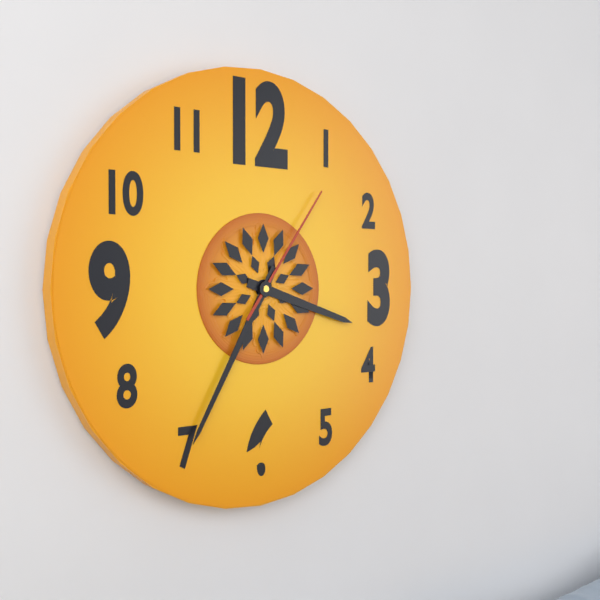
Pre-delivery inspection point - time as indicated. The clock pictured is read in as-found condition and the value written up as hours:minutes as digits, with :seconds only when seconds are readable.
3:35:06
